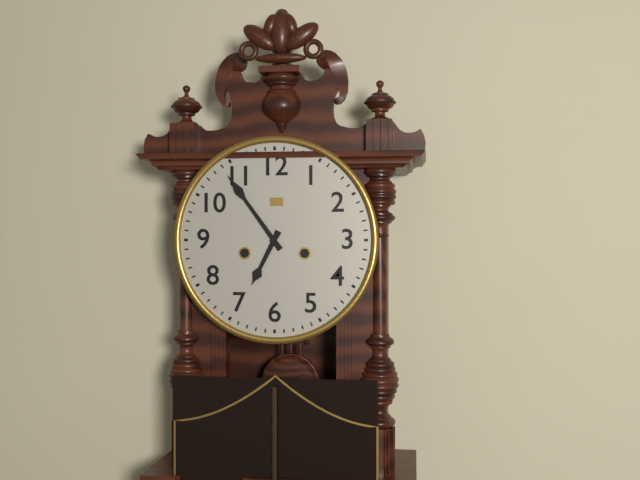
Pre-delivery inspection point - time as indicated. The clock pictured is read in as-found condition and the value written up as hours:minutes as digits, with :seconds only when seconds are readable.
6:54
